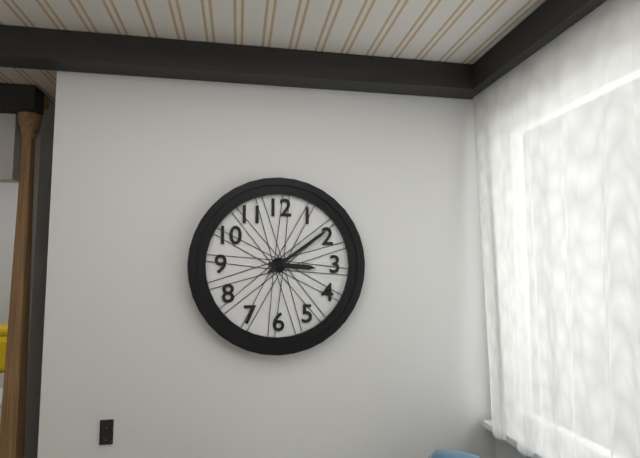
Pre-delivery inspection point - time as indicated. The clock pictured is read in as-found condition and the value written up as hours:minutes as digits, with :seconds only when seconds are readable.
3:09
